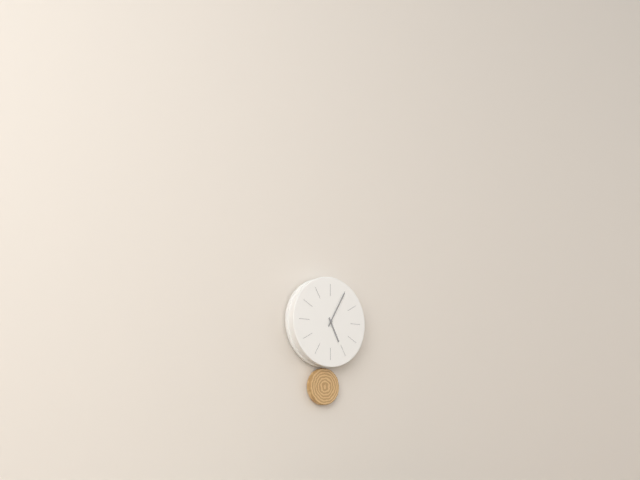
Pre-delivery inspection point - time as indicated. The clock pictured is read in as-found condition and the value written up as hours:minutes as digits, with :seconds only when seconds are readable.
5:05
